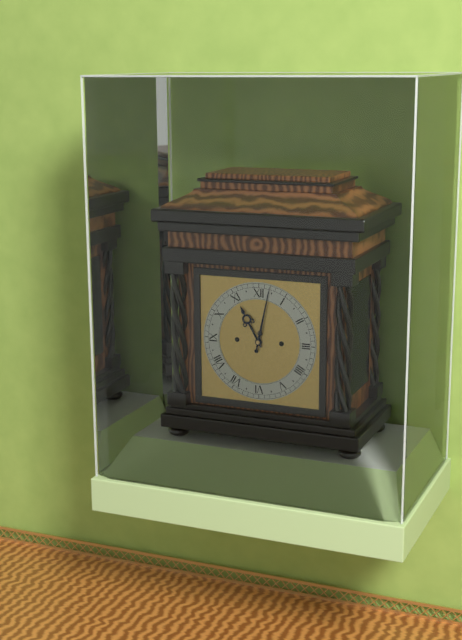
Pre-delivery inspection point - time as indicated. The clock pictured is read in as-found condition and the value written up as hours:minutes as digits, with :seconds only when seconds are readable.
11:02
